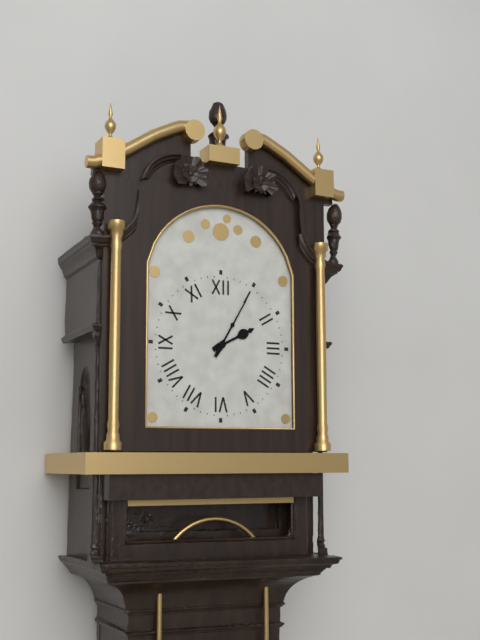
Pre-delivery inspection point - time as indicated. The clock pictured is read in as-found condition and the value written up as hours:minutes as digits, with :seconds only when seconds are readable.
2:05
